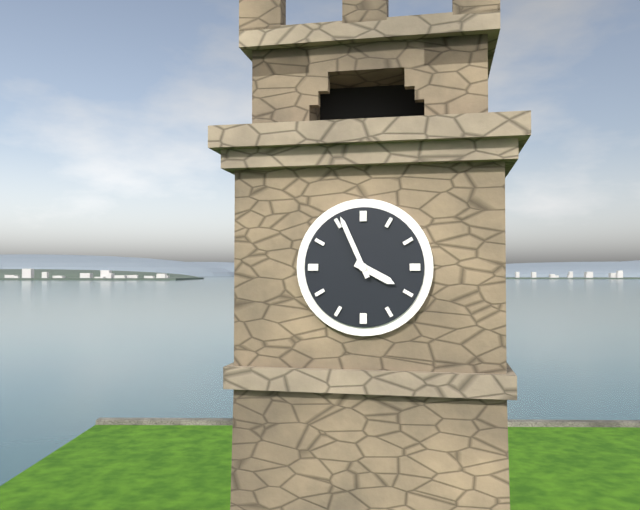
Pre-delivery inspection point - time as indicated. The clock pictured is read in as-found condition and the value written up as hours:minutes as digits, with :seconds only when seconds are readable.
3:56
